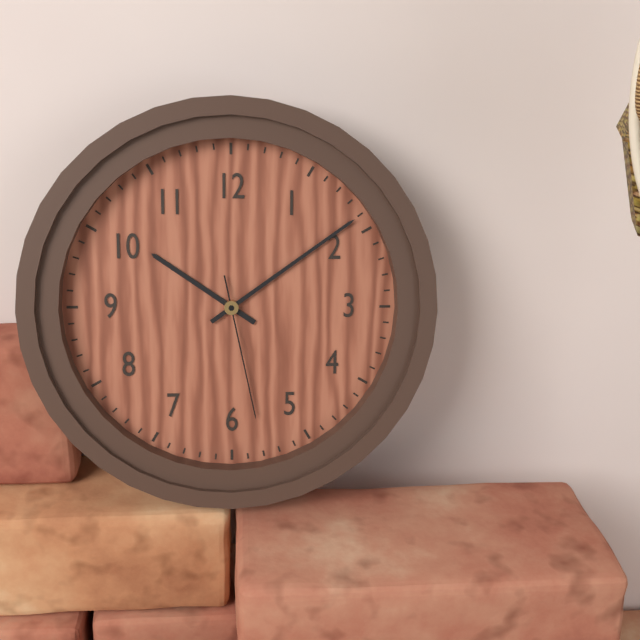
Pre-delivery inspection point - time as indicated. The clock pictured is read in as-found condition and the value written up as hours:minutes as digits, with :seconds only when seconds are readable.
10:09:28
